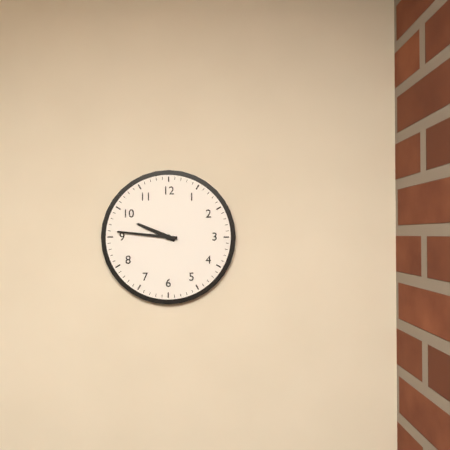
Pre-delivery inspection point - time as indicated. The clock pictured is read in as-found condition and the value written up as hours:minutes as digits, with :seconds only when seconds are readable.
9:46
